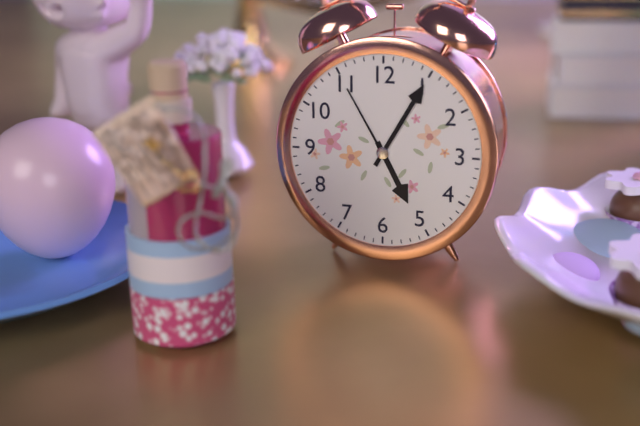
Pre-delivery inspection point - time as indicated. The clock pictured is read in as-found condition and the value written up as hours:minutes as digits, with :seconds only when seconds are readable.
5:05:55
